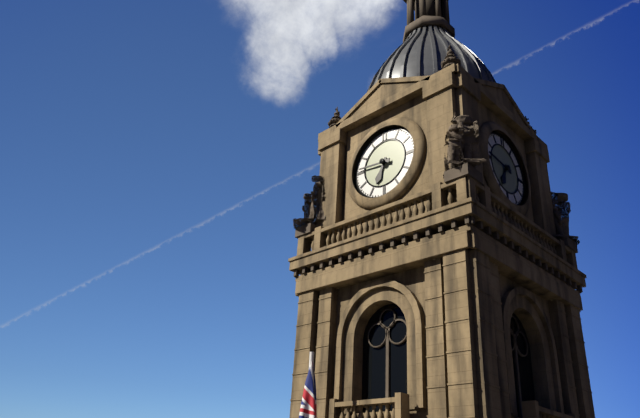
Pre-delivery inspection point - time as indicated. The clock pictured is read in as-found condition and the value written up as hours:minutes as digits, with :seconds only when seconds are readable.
6:46
